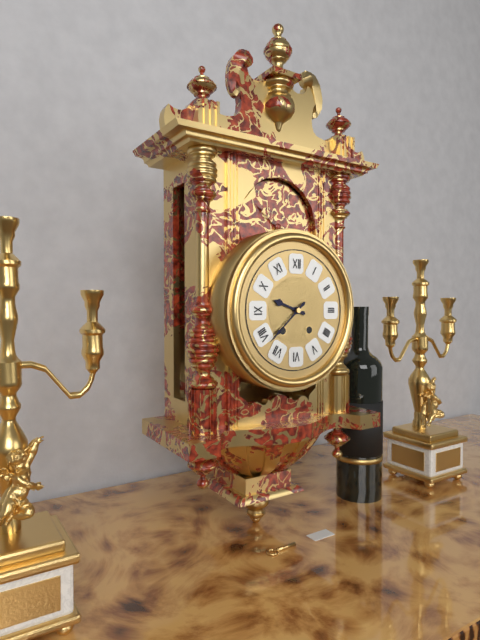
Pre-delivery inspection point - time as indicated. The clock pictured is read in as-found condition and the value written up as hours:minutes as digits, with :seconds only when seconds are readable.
9:38
